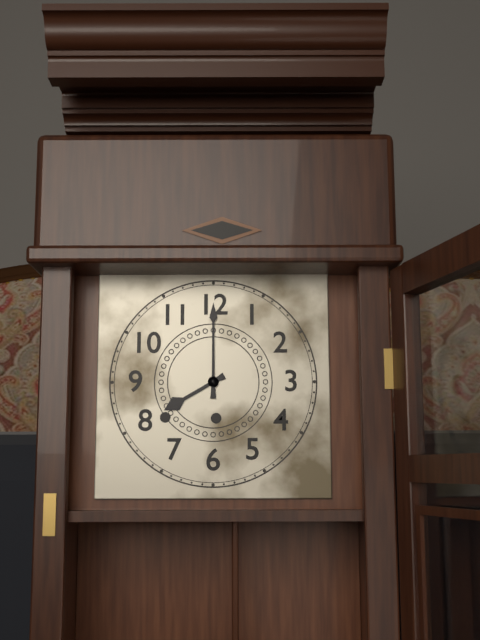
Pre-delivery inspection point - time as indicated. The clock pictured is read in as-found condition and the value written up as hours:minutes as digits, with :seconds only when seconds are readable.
8:00
